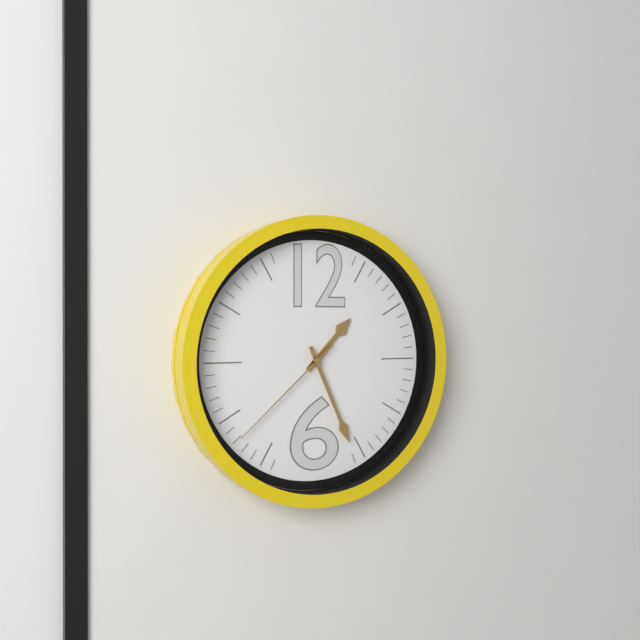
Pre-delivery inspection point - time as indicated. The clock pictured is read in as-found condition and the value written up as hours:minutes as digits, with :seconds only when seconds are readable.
1:26:38
